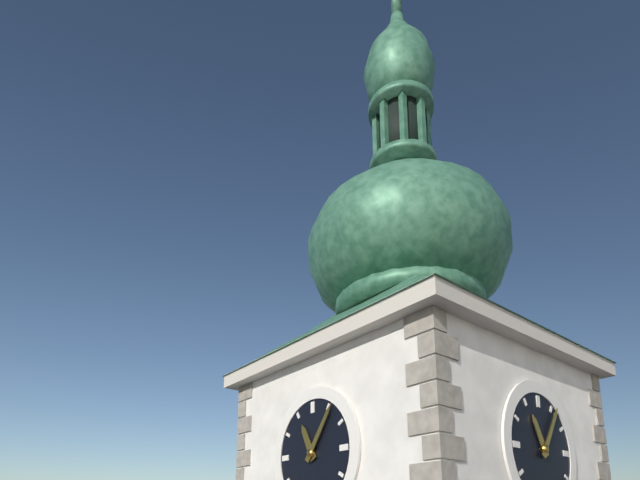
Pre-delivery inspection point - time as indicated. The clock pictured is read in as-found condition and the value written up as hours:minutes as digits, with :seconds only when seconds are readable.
11:06
